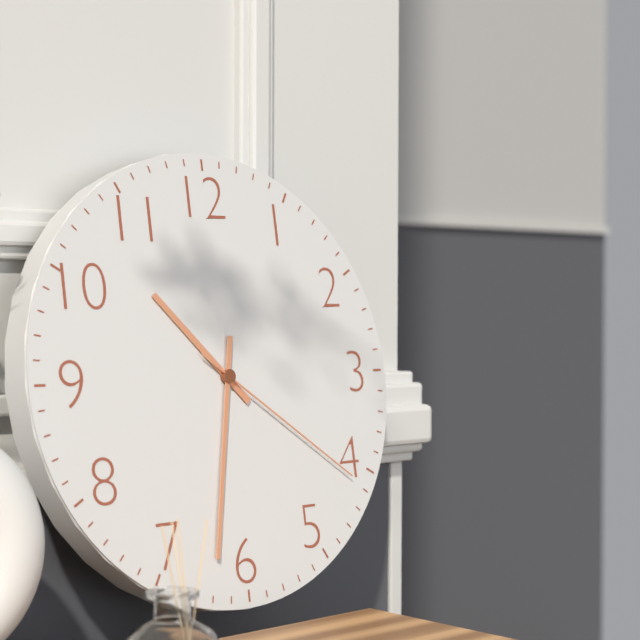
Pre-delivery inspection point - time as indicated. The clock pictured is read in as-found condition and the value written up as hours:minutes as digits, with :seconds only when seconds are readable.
10:32:21
